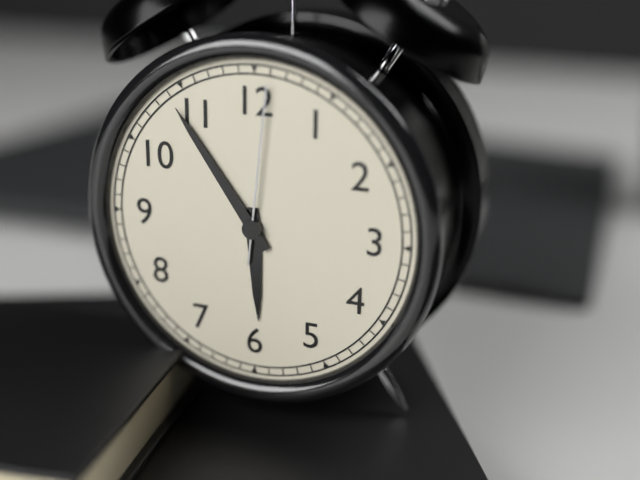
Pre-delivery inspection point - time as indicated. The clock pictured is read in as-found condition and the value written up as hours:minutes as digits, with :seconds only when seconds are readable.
5:54:01
